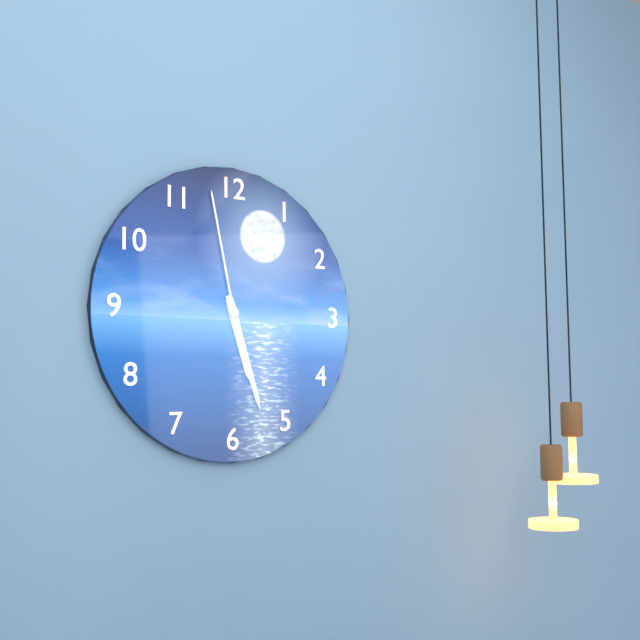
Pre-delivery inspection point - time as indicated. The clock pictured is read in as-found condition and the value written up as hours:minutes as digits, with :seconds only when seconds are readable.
5:27:58
